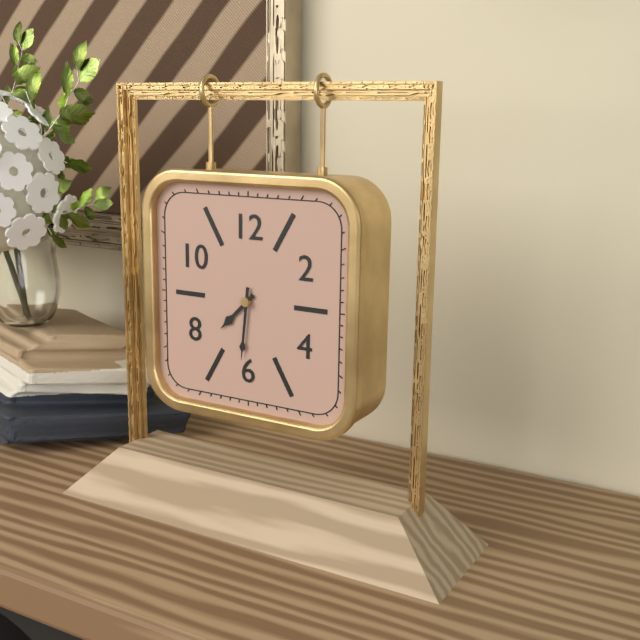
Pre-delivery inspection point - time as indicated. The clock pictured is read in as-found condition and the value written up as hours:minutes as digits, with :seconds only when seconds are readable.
7:31
